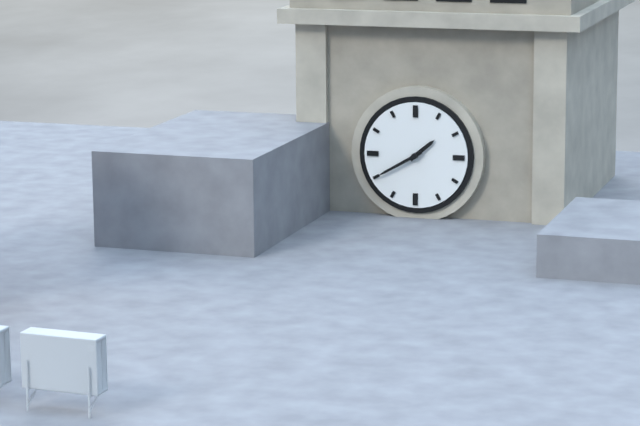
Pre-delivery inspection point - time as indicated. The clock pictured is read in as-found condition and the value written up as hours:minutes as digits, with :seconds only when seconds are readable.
1:40
